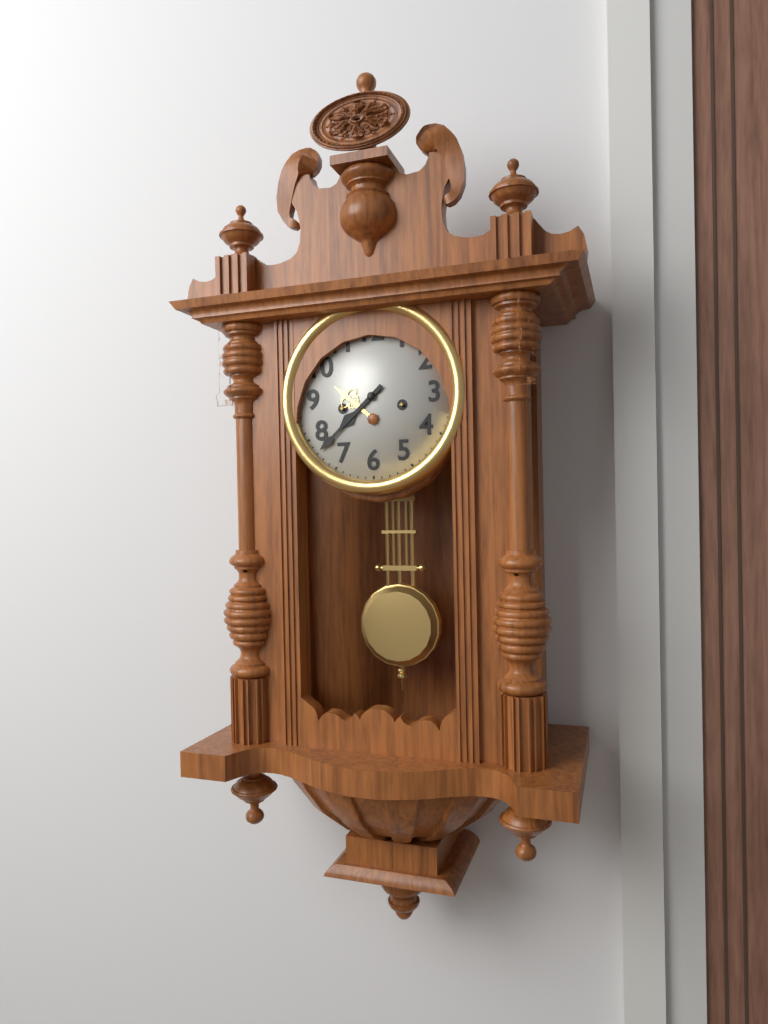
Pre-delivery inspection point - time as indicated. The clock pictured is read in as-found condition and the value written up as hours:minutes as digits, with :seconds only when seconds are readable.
7:38
